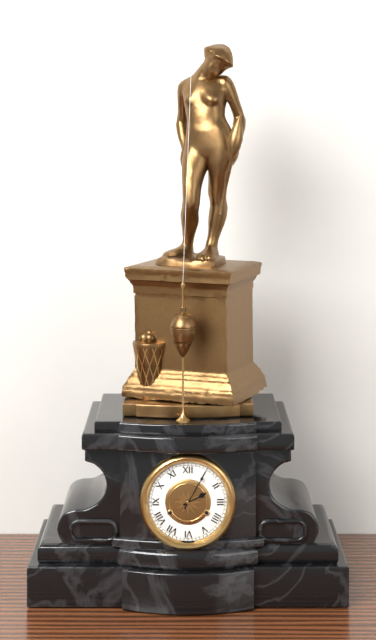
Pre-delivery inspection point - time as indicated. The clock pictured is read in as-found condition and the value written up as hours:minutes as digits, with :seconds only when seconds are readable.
2:05
